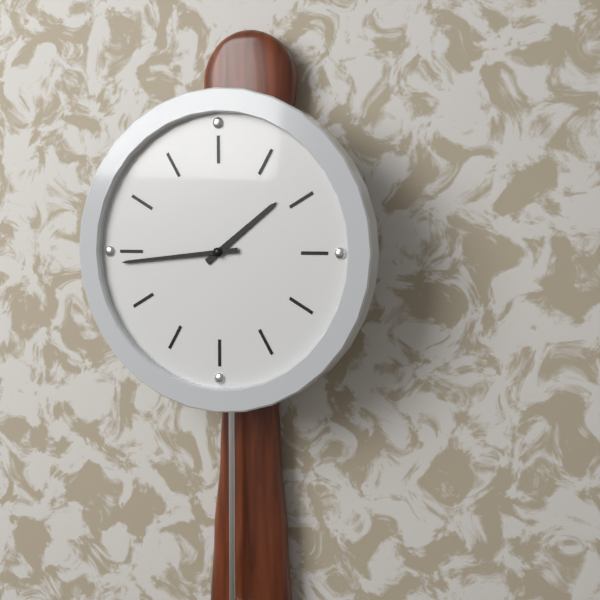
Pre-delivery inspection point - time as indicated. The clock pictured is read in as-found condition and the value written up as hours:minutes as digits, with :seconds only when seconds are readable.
1:44
